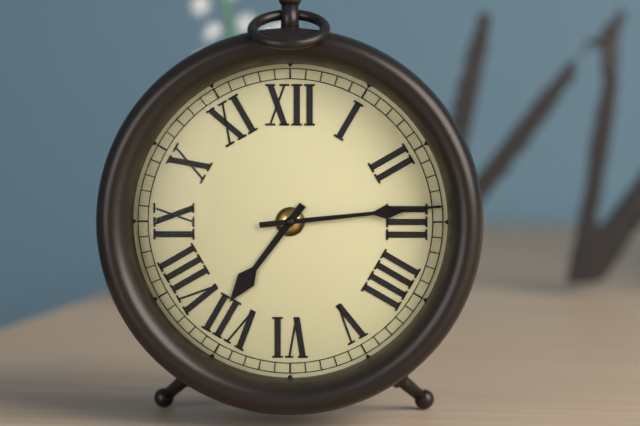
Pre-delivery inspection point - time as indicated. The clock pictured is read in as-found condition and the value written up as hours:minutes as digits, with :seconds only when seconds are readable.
7:14
